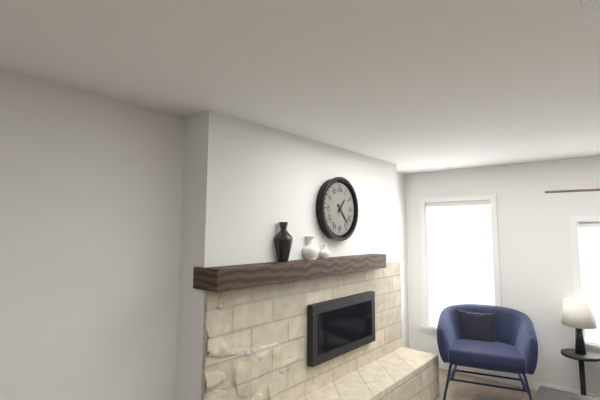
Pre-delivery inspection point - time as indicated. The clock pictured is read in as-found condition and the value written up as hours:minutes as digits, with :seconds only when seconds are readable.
1:23
